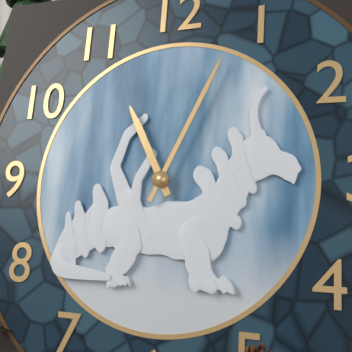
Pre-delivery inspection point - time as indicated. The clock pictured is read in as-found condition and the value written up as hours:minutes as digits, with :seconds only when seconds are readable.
11:04
